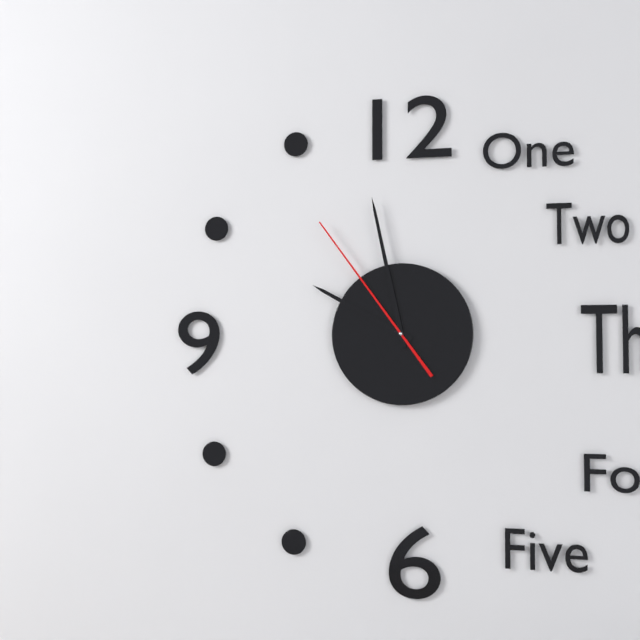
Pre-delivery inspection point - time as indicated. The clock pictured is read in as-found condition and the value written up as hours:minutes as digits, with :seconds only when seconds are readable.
9:58:54
